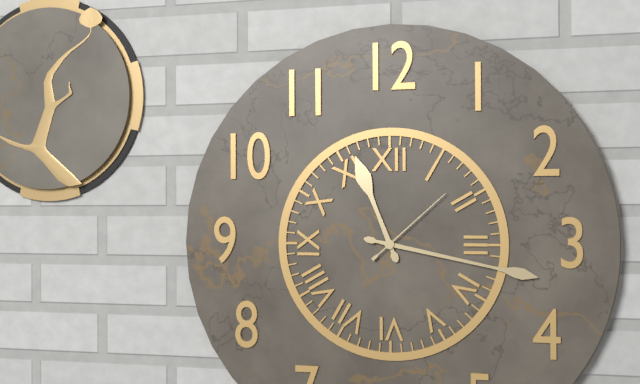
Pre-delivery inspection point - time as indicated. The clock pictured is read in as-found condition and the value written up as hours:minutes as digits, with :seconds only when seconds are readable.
11:17:08
